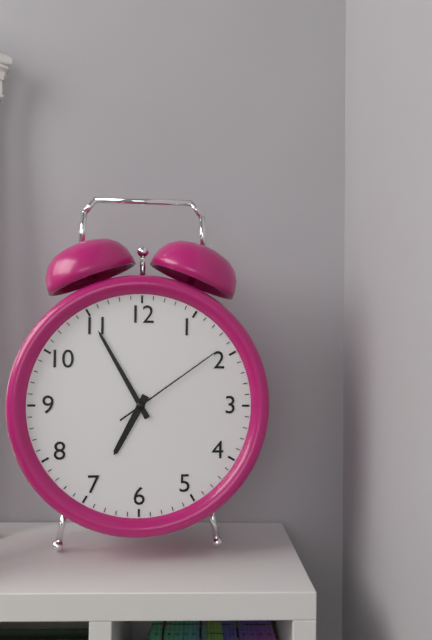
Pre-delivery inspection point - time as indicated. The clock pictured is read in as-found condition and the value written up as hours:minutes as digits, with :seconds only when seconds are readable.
6:55:09
